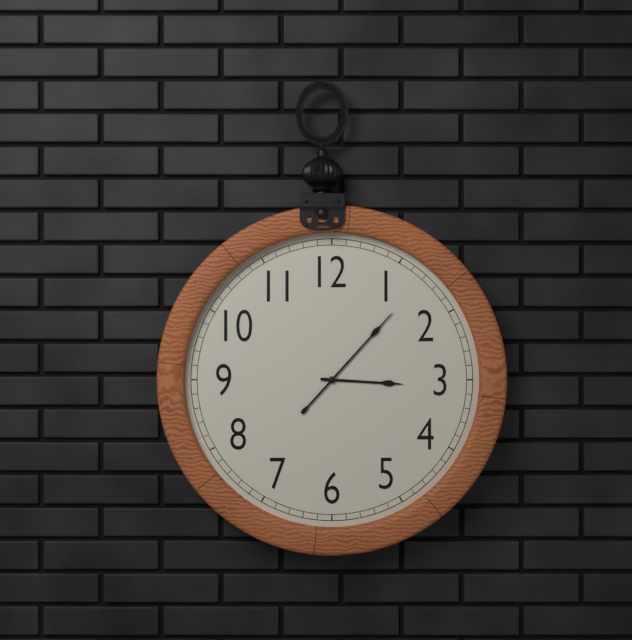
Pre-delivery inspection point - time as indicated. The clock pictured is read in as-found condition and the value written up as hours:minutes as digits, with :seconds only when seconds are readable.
3:07
